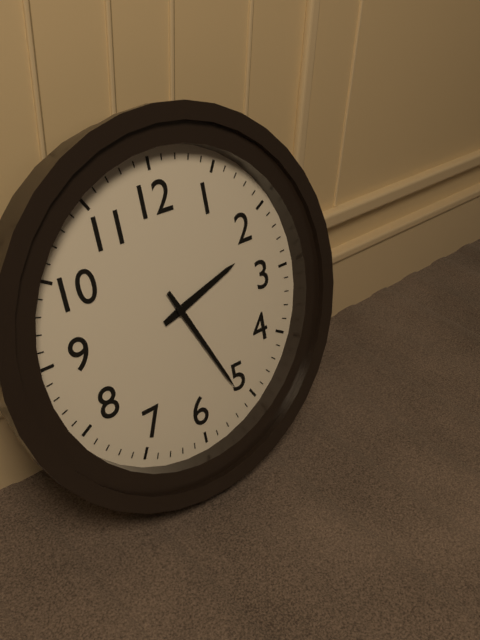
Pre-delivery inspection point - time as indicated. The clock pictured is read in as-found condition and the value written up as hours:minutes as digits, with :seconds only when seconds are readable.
2:26
